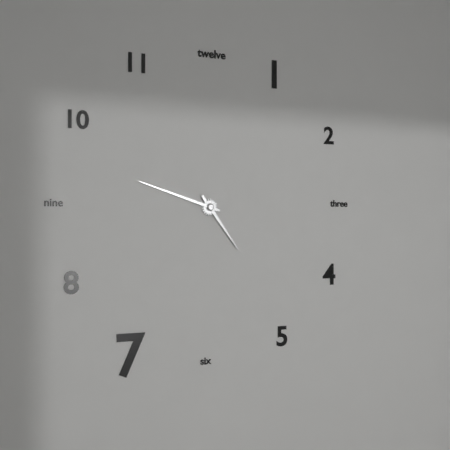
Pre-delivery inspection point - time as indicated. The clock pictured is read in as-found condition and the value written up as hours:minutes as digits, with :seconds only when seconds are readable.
4:48
